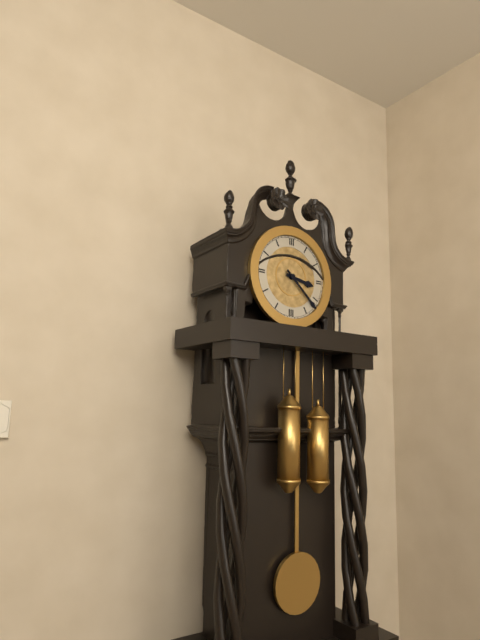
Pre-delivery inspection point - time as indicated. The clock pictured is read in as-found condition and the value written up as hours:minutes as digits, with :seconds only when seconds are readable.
3:22
